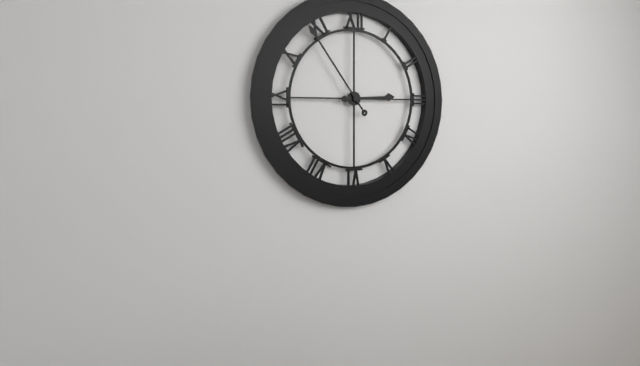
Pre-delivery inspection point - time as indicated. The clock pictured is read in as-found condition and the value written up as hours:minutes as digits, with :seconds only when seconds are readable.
2:54
